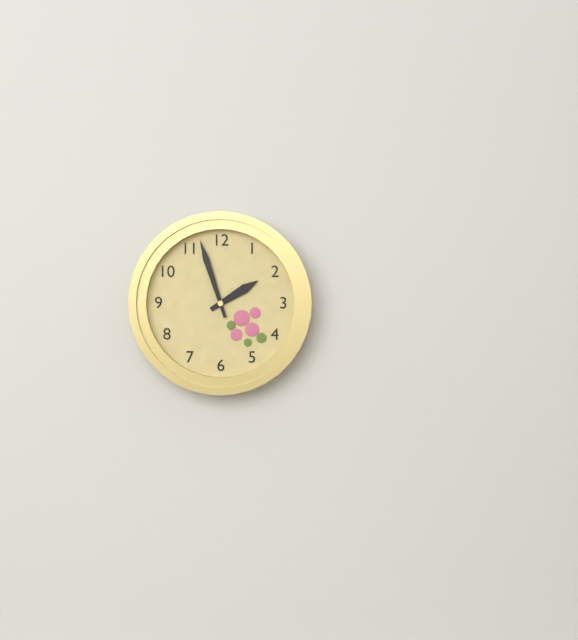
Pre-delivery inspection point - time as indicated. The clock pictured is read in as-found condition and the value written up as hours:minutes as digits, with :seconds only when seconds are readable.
1:57
